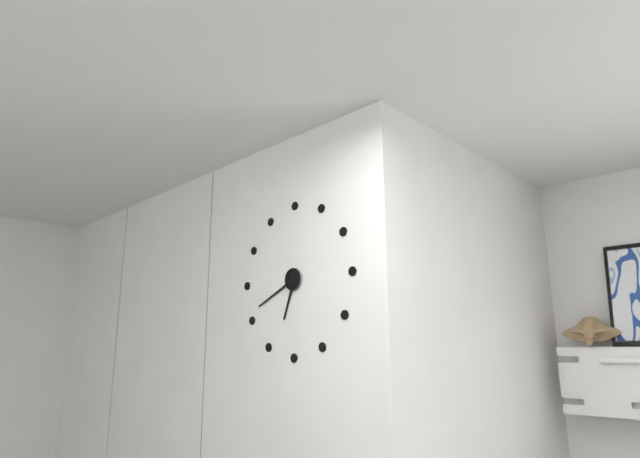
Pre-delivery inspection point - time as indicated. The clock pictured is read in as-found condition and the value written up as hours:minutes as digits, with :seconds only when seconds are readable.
6:41
